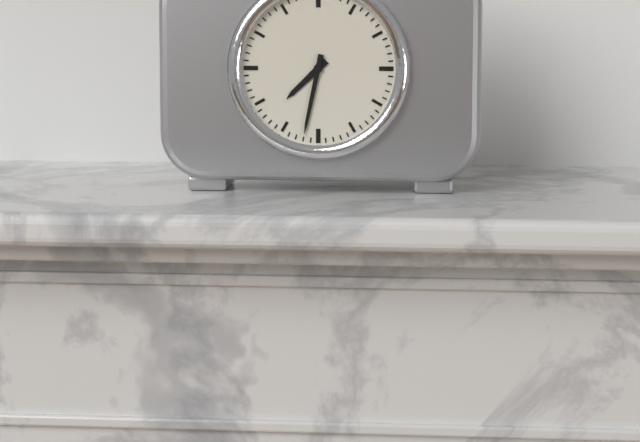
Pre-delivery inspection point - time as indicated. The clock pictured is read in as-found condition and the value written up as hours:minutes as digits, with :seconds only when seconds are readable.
7:32
